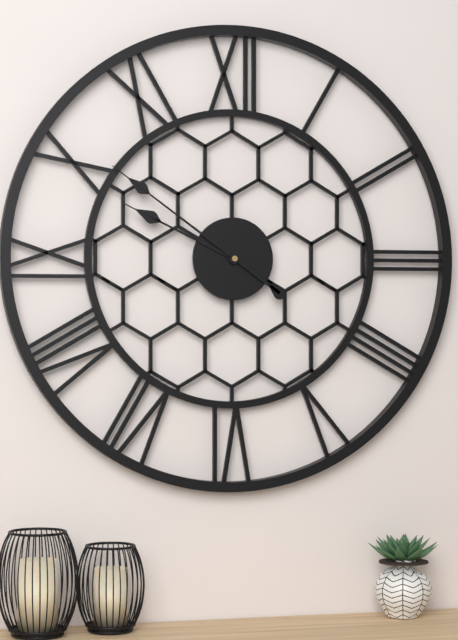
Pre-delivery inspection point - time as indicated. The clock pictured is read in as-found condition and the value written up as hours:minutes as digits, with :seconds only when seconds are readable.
9:51
